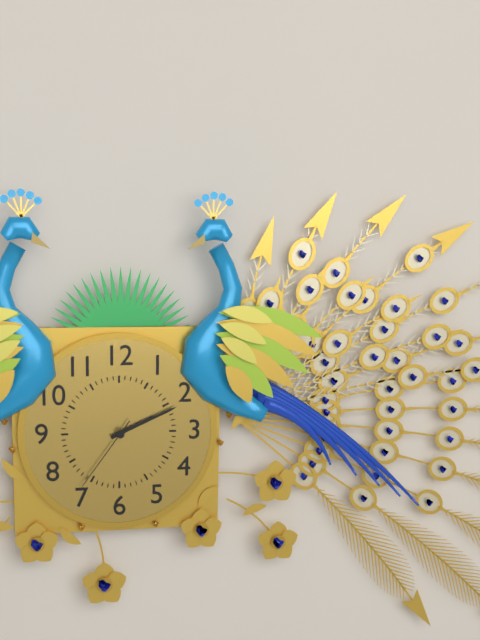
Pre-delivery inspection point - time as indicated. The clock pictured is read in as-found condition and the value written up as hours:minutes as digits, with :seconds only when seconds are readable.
2:11:36
